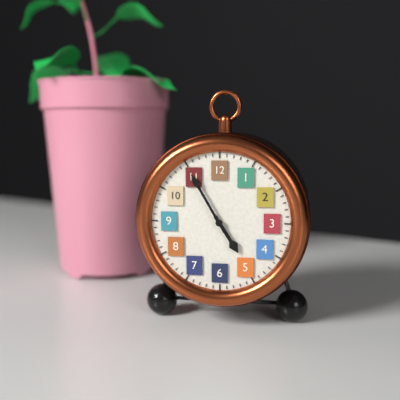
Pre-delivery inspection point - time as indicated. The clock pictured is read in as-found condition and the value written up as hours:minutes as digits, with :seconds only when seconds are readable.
4:55
